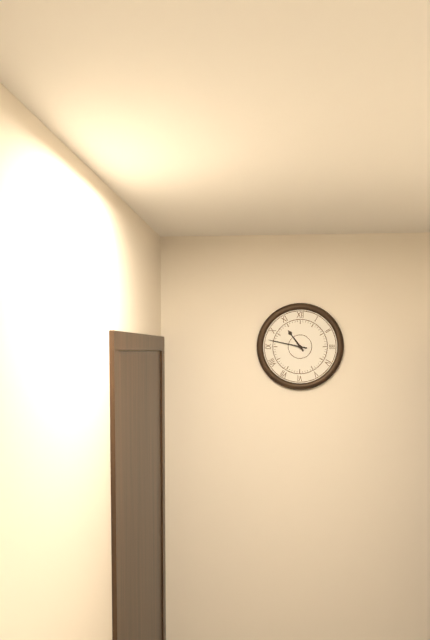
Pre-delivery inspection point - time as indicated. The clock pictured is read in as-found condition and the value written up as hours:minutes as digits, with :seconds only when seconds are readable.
10:47
